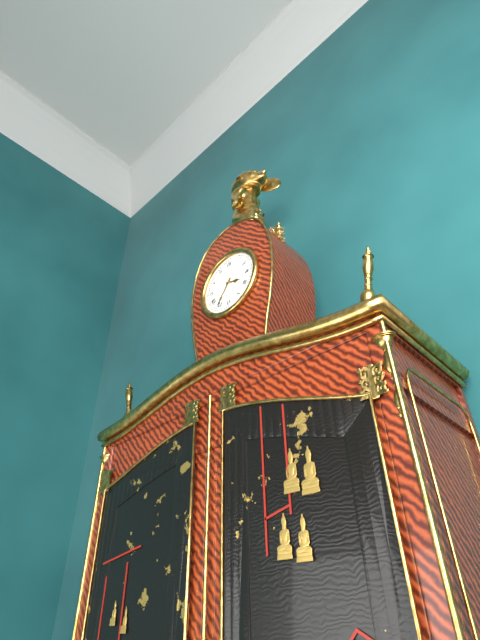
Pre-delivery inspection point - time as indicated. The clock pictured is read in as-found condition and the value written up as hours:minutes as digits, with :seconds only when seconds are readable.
3:36
